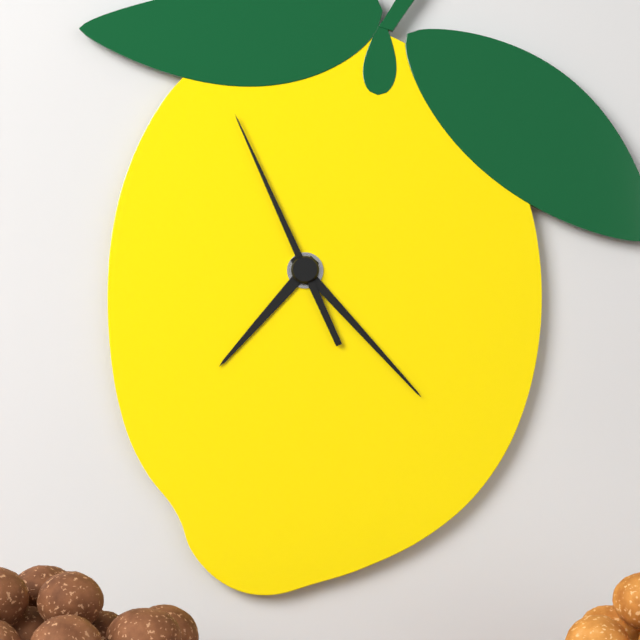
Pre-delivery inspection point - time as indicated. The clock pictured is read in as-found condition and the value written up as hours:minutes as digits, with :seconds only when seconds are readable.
7:23:56
